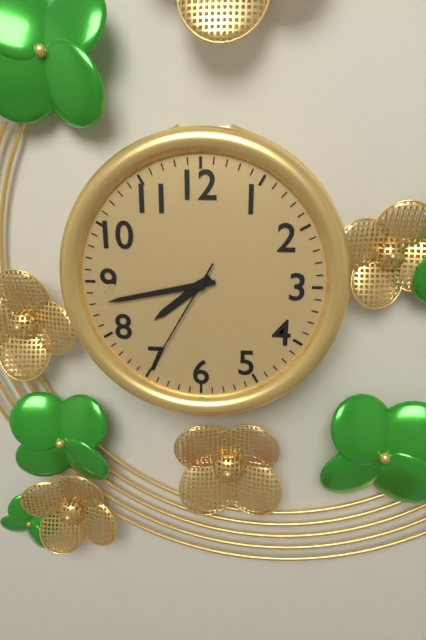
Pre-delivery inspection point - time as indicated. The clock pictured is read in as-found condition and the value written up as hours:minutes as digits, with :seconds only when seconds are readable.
7:43:35
